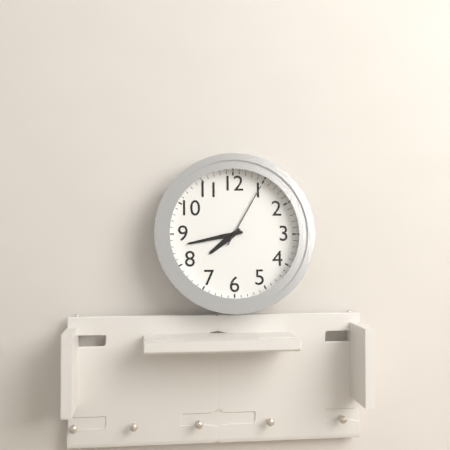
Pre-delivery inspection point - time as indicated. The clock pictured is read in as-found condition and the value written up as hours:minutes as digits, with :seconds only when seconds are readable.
7:43:05
